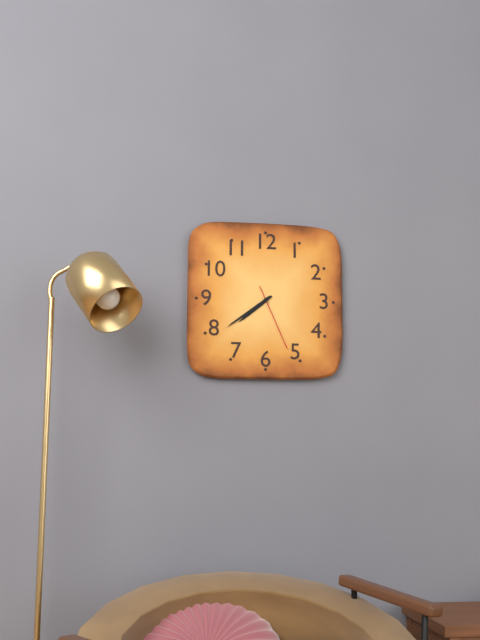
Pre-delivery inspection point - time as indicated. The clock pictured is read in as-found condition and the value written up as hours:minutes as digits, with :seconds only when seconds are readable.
7:39:26
